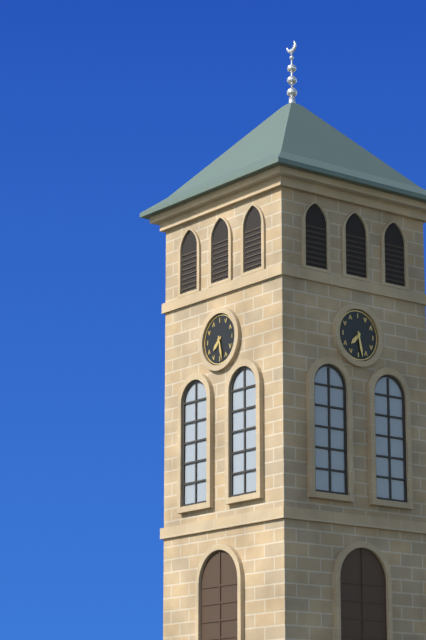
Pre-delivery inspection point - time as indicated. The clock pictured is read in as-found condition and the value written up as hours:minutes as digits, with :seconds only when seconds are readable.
7:28
